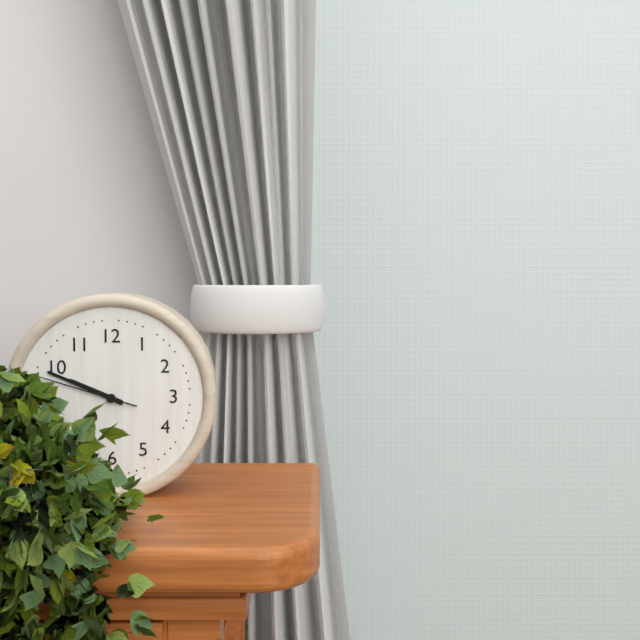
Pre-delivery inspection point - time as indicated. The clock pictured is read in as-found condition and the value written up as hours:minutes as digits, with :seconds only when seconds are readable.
9:49:48
